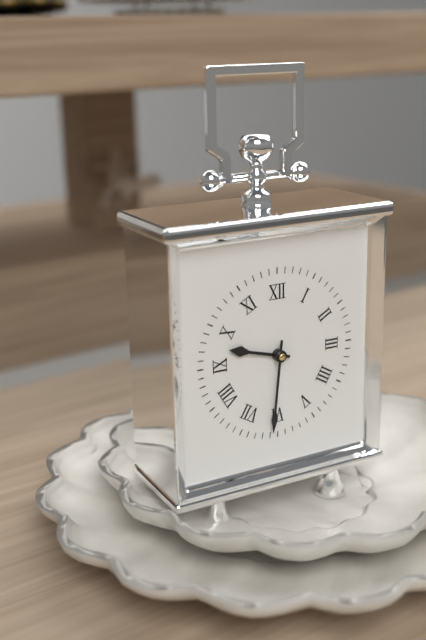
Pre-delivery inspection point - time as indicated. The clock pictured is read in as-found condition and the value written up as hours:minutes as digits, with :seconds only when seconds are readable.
9:31
